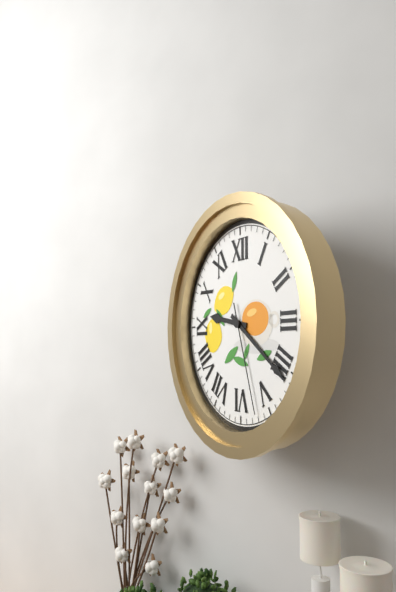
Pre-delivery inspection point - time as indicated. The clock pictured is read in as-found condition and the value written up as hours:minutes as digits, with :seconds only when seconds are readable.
9:21:27
